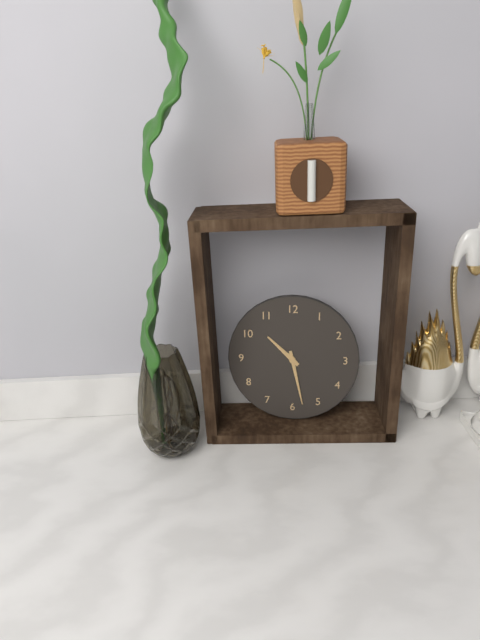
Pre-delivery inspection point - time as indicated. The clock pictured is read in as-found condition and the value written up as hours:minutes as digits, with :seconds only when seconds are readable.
10:28
